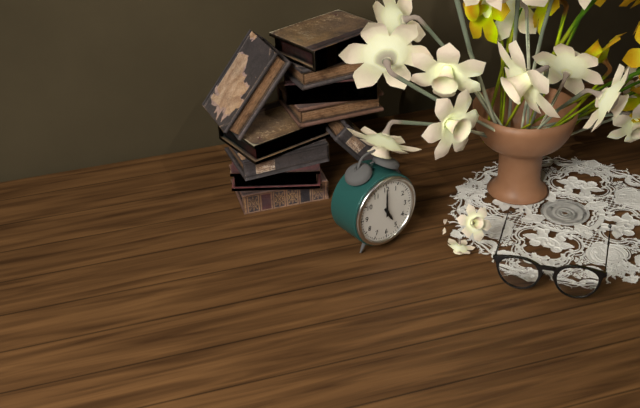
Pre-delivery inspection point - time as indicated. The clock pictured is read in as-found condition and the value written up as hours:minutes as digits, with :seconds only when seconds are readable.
5:00
